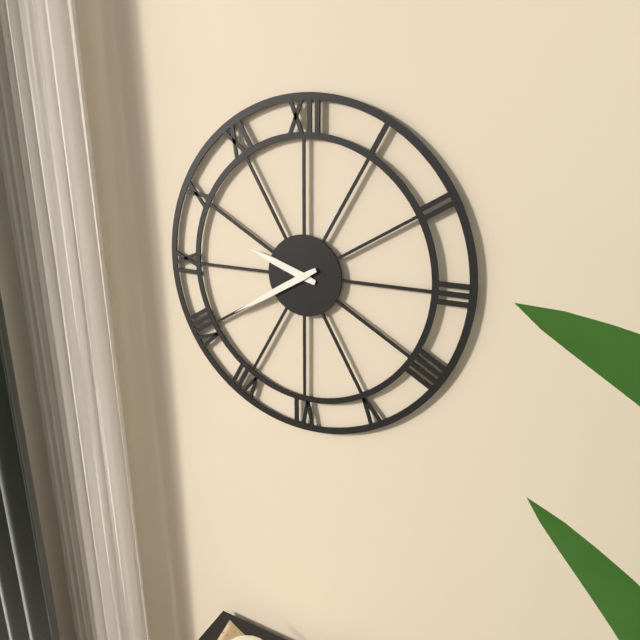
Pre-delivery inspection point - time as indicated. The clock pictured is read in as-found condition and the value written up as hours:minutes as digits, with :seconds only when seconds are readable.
9:40
